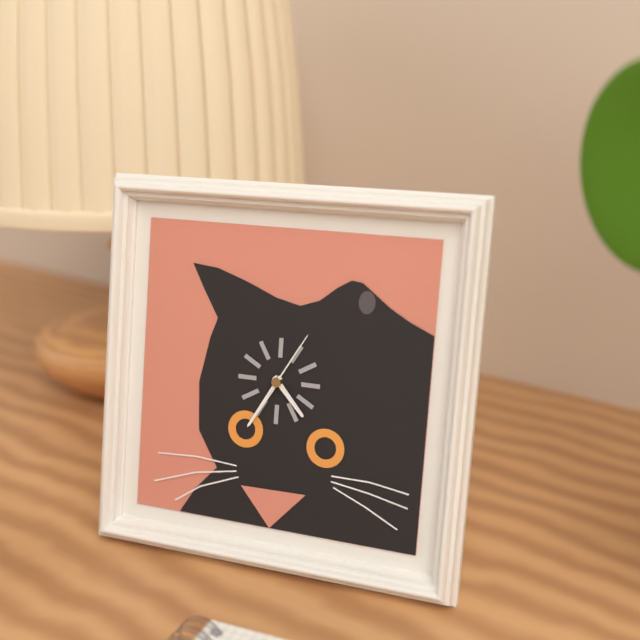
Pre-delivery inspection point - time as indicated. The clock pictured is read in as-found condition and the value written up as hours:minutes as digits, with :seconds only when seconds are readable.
4:35:05
